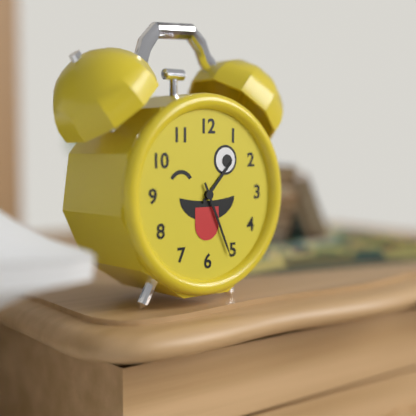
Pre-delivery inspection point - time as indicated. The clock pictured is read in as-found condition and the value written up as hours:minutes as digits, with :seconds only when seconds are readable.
1:26
